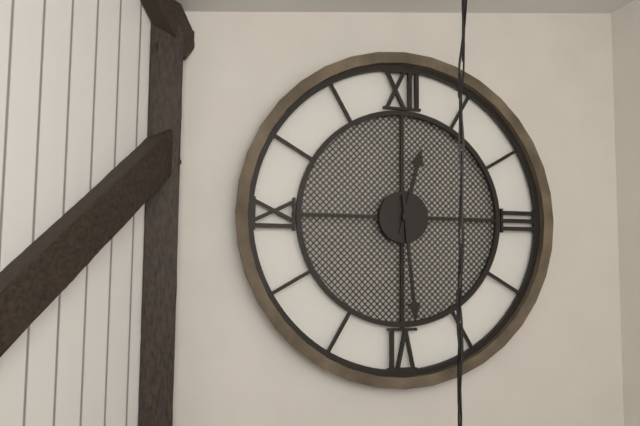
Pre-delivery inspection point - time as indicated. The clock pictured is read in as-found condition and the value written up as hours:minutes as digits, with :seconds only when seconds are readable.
12:29
